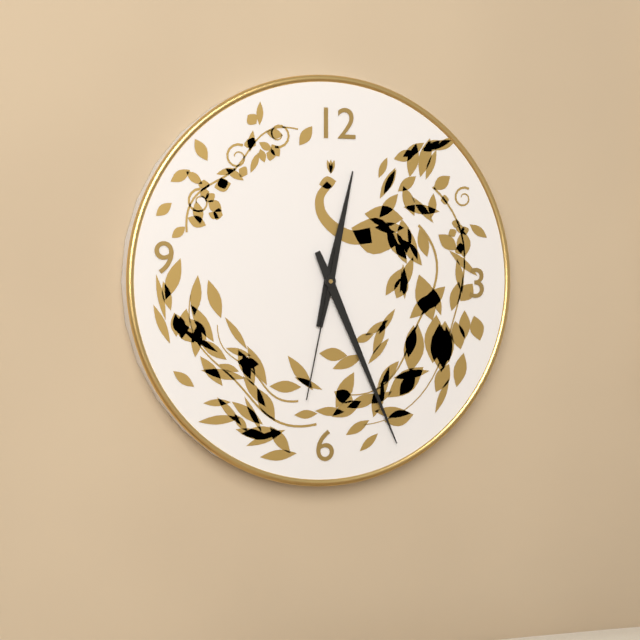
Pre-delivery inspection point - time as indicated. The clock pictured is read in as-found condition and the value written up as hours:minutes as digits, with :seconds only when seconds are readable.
12:26:32
